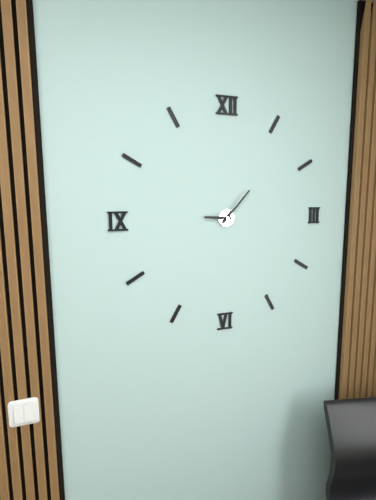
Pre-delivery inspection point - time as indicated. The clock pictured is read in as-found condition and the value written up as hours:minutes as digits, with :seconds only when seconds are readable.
9:07
